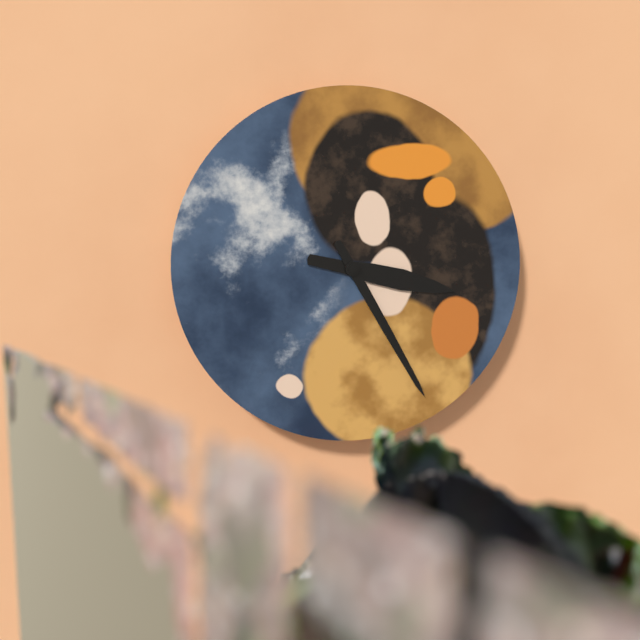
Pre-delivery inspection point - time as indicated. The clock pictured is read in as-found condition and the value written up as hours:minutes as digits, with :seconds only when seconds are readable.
3:25
